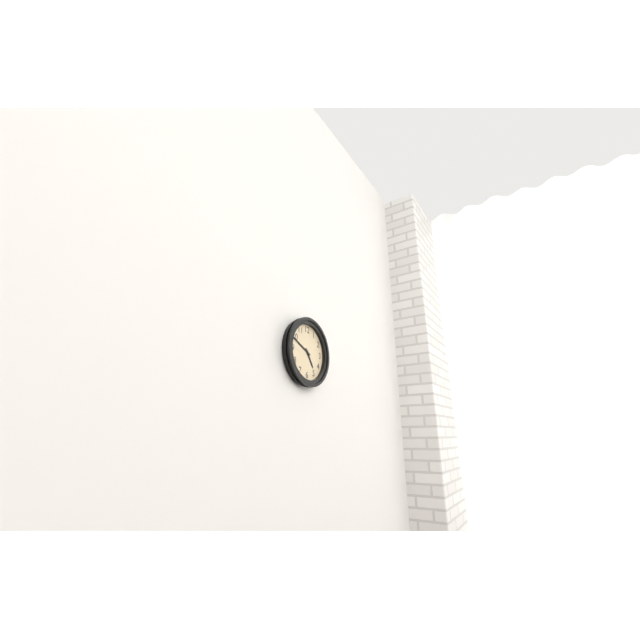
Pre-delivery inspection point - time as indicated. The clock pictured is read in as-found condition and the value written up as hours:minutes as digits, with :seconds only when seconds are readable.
4:49
